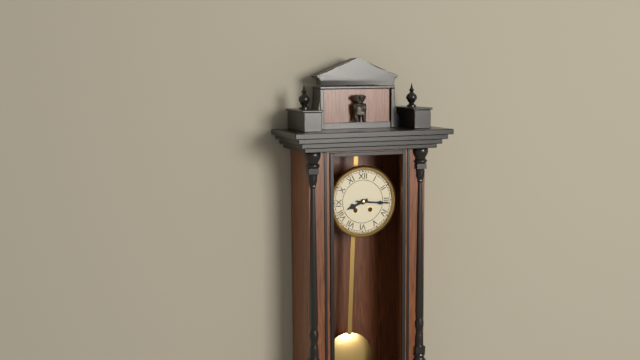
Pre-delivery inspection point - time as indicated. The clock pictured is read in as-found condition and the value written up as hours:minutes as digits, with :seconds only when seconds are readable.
8:16
